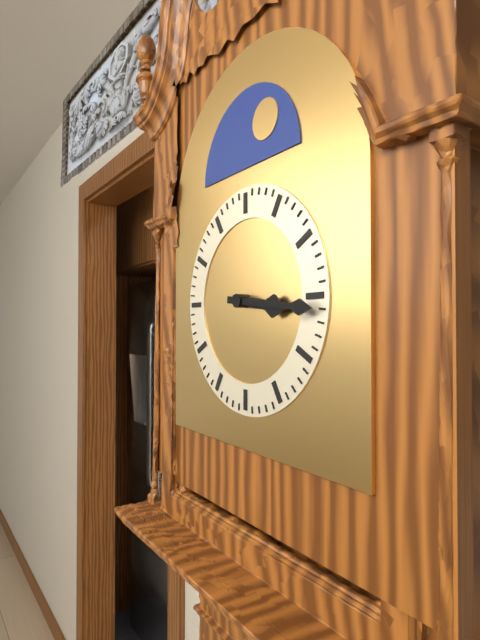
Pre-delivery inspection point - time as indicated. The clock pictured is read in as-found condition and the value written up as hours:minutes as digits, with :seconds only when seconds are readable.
3:16
